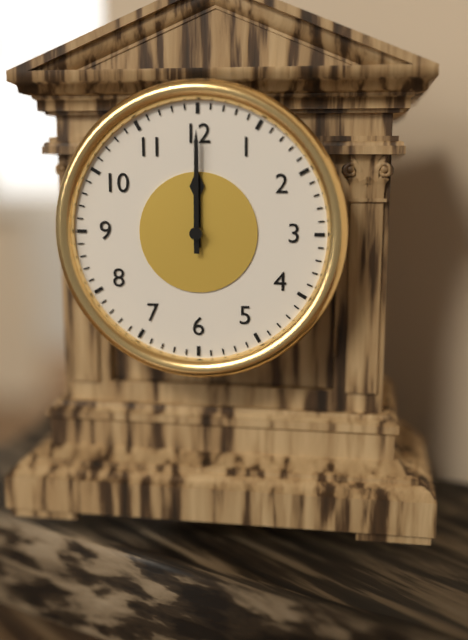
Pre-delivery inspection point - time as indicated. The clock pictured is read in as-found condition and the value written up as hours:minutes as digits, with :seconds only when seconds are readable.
12:00
